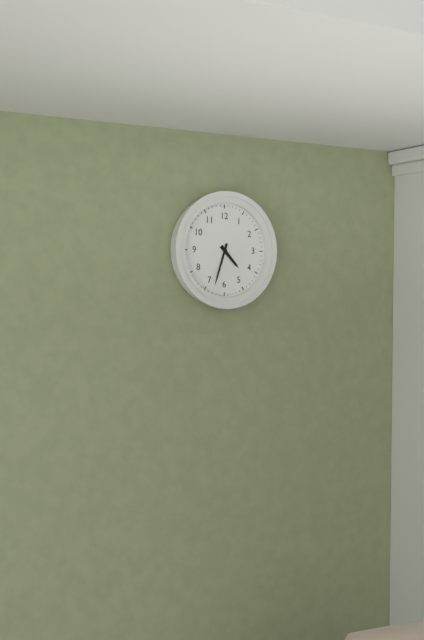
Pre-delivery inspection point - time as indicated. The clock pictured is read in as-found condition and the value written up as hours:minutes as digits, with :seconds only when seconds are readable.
4:33
